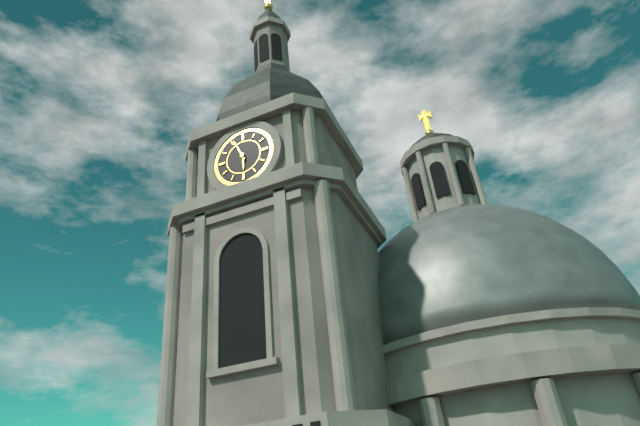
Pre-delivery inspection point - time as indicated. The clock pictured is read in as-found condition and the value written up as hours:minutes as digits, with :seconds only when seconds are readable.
5:56
